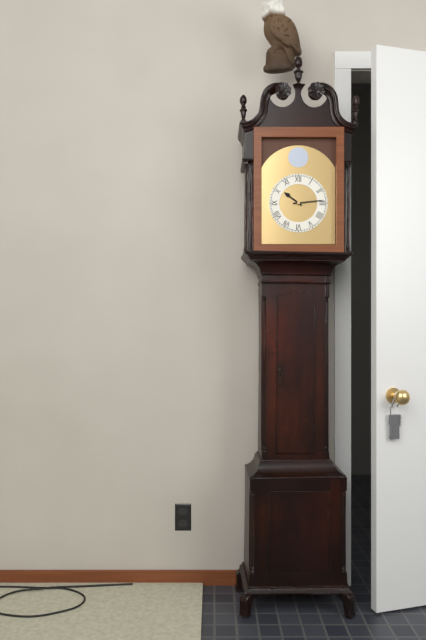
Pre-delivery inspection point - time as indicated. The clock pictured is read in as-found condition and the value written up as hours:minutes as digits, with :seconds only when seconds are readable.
10:14
